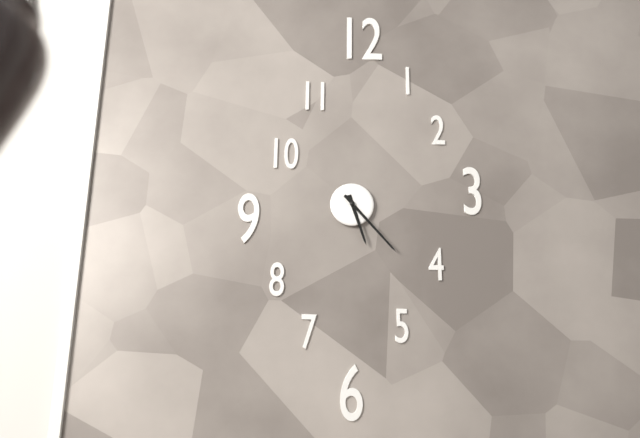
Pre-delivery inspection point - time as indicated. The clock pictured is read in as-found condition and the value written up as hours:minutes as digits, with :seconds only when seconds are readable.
5:23
